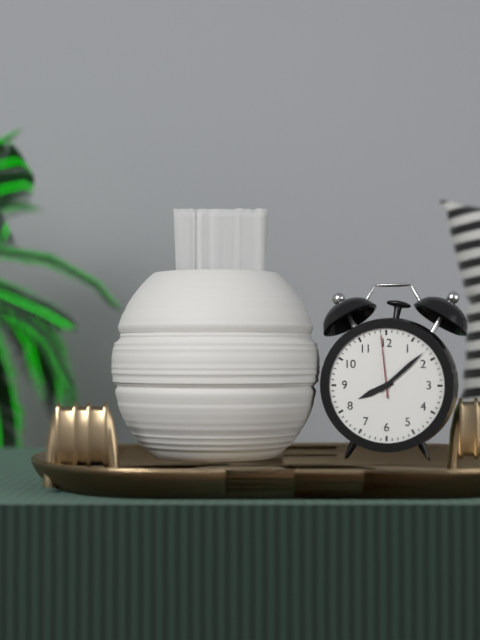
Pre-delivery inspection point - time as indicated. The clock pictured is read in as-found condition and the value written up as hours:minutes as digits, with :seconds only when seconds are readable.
8:08:59
